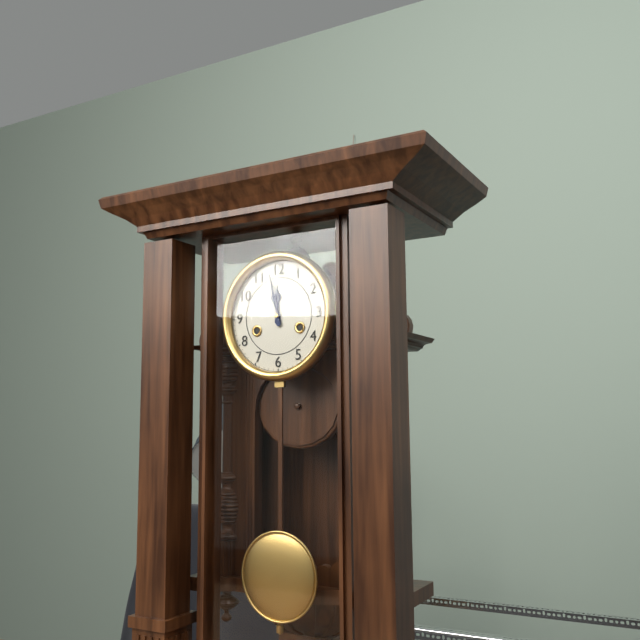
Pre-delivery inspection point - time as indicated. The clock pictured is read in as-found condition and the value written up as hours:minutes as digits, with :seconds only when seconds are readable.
11:58
